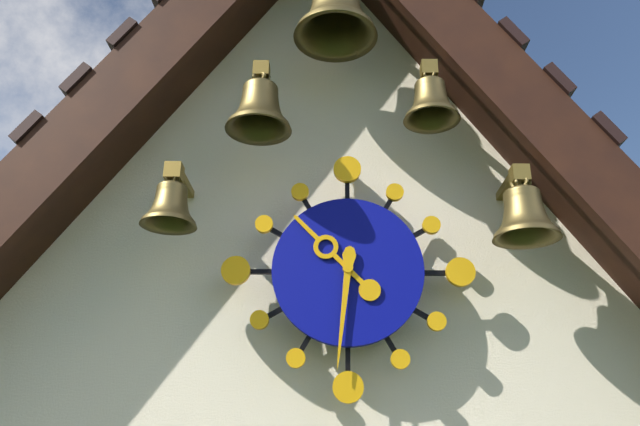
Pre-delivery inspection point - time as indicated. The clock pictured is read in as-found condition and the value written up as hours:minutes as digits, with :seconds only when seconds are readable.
10:31
